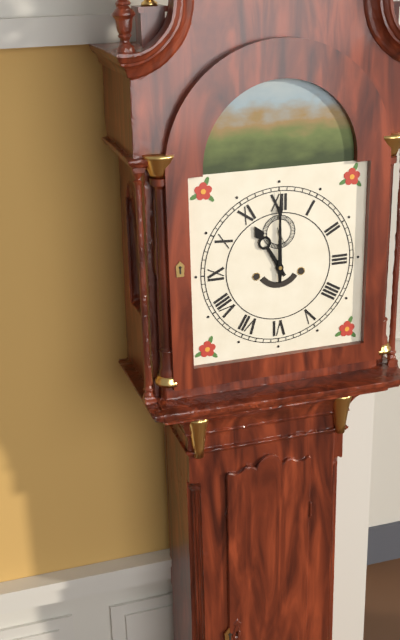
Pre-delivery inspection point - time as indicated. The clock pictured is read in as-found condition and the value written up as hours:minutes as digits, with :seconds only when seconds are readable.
11:00
